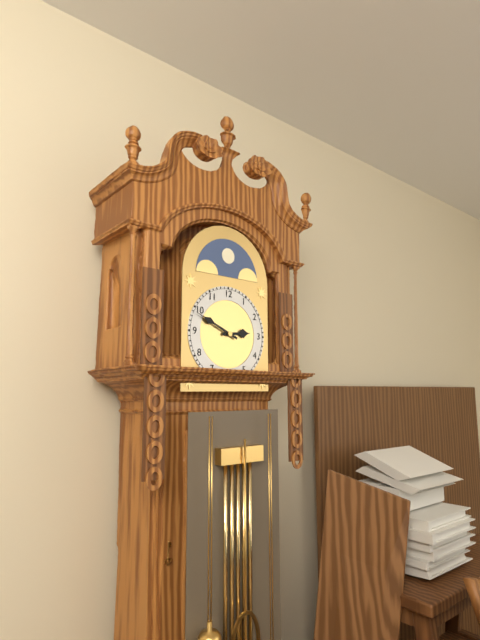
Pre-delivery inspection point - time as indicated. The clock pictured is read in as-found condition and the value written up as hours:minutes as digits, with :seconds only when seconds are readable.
2:49
